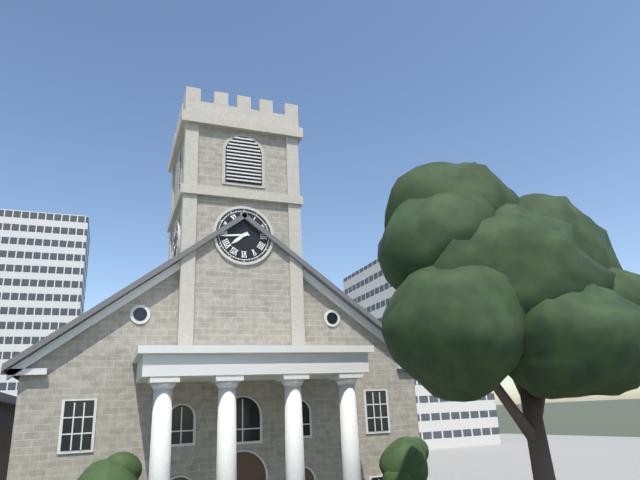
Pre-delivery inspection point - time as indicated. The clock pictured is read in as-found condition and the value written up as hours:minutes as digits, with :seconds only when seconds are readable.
7:44
